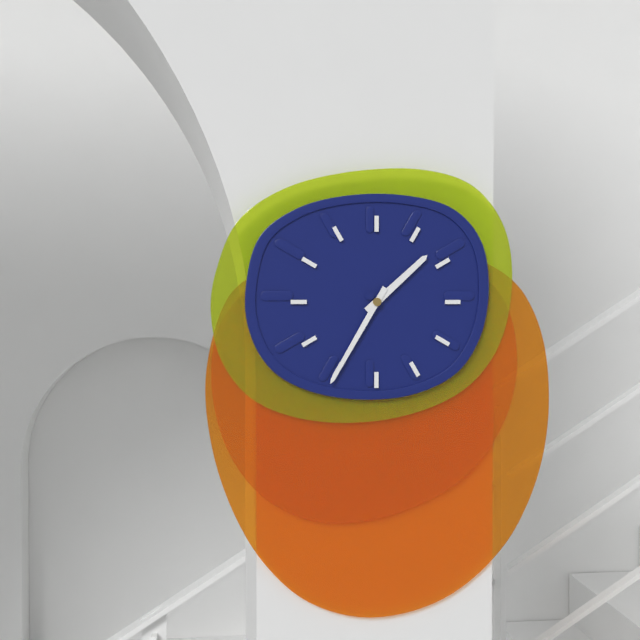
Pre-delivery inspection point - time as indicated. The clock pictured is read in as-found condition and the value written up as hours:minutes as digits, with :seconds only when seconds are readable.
1:35
